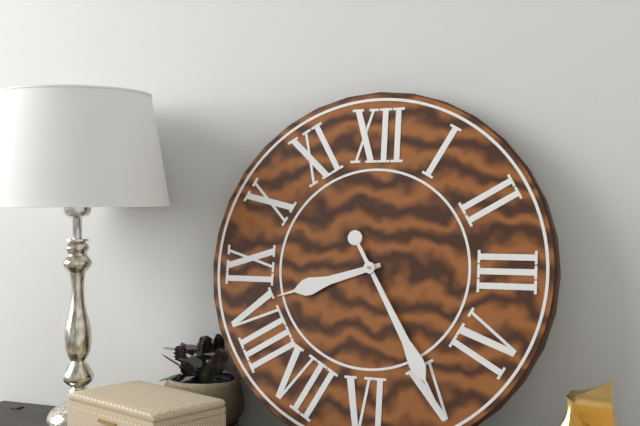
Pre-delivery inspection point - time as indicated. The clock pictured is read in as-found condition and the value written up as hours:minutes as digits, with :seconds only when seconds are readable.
8:25
